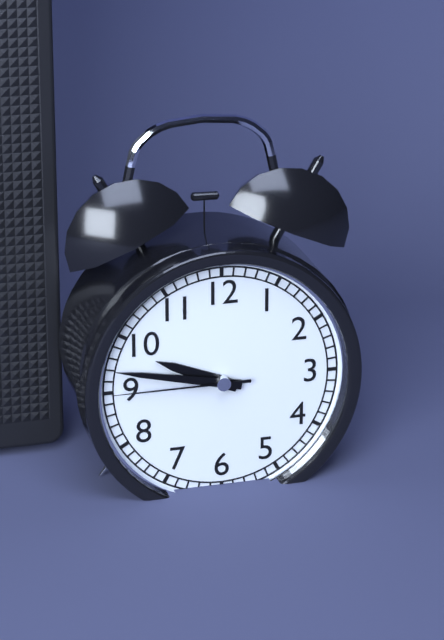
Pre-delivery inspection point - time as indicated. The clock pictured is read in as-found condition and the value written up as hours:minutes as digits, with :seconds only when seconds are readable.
9:47:45
